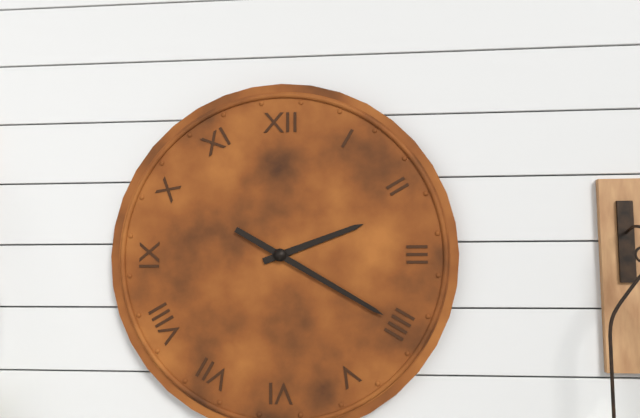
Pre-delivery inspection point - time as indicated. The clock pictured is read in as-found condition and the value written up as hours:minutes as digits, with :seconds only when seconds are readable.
2:20
